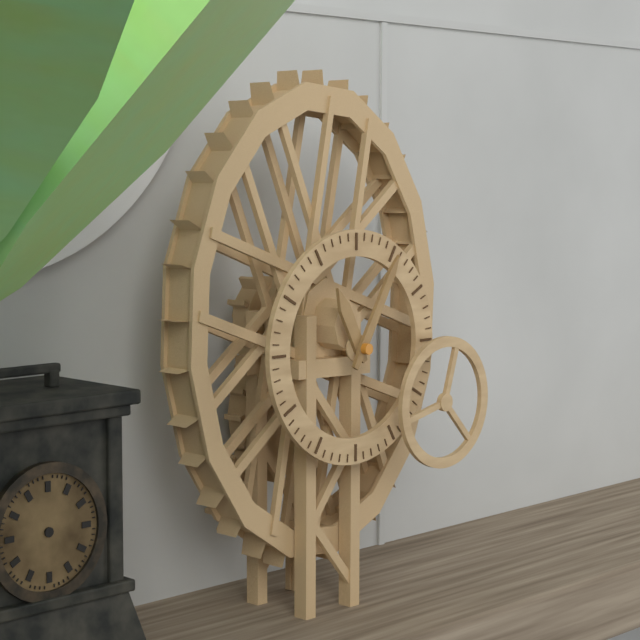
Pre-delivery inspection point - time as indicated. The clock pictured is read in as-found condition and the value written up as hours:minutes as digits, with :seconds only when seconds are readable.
11:05
